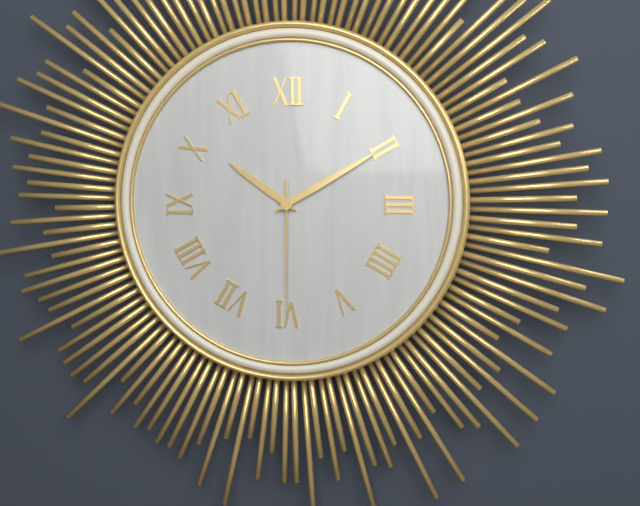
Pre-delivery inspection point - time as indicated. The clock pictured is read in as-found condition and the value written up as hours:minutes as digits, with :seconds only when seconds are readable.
10:10:30
